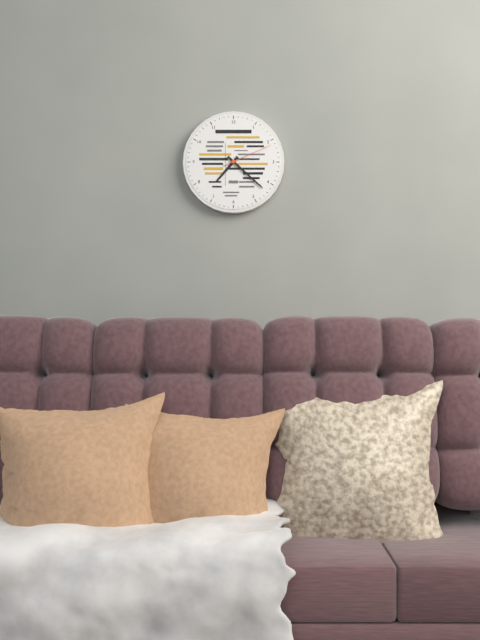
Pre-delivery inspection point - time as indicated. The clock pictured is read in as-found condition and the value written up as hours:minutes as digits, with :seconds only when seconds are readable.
7:22:11
